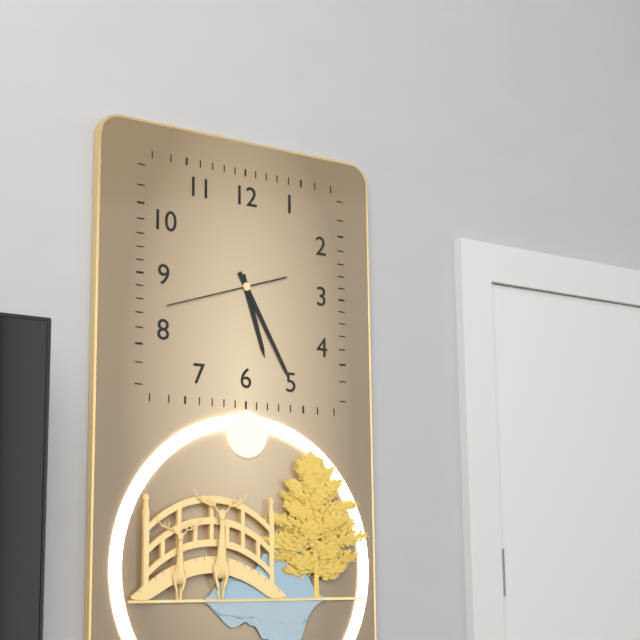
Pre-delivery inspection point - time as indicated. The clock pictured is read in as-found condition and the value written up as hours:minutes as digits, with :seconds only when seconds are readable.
5:25:42
